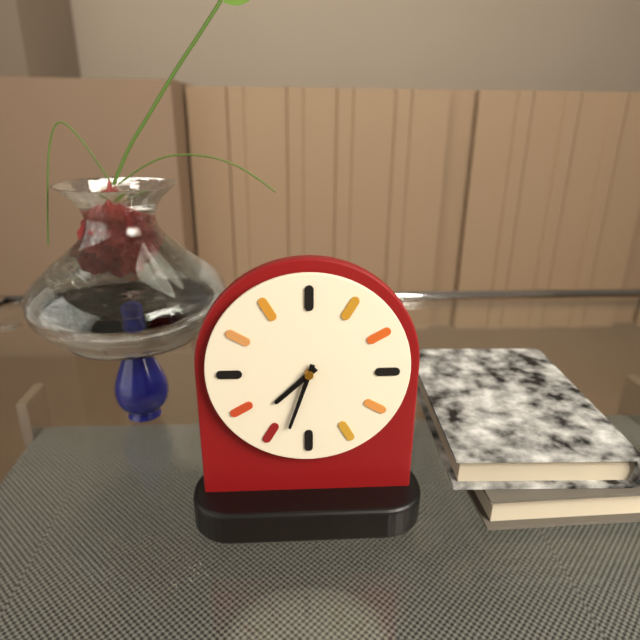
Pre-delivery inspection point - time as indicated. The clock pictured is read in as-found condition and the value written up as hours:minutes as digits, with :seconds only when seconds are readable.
7:33
